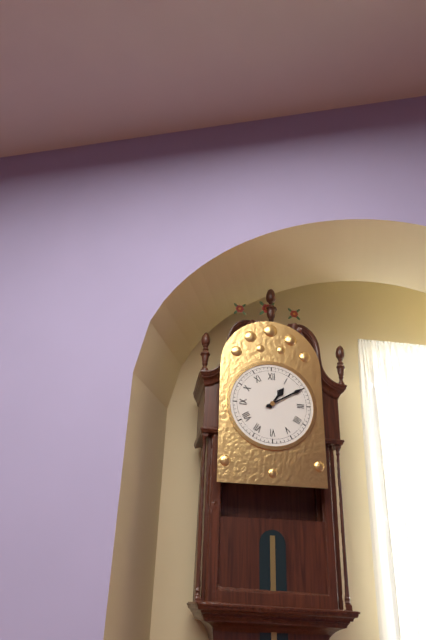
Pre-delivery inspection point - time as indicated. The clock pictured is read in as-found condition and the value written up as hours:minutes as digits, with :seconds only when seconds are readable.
1:10
